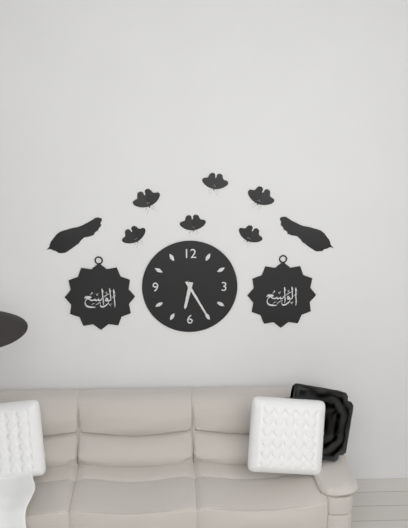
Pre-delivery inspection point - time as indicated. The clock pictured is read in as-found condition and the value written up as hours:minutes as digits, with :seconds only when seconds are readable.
6:25
